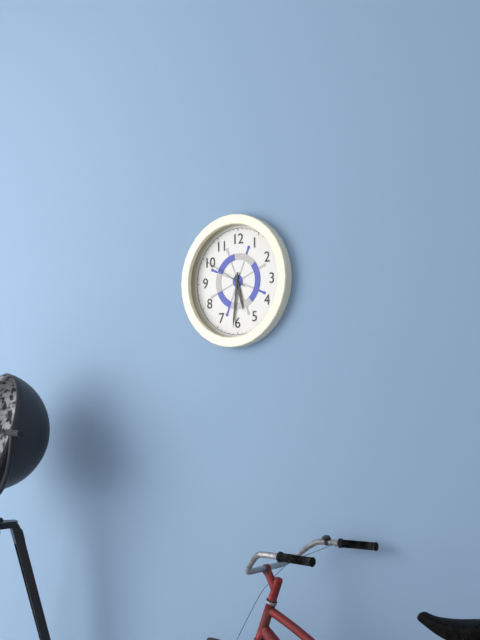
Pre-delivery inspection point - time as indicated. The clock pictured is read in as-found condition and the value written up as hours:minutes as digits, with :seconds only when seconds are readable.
5:31
